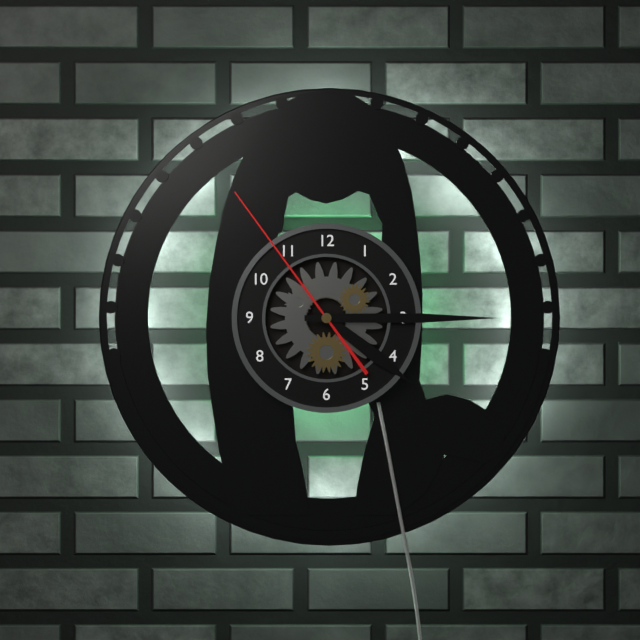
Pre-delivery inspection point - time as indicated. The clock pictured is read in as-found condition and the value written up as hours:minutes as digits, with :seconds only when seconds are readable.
4:15:54
